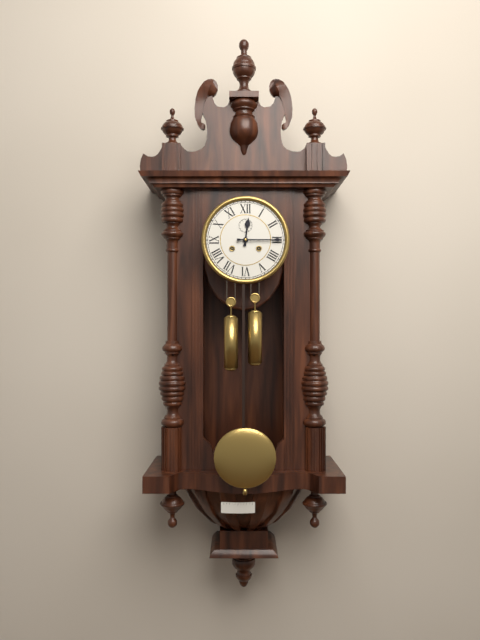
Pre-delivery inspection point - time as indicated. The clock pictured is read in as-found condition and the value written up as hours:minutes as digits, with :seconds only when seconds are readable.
12:15
